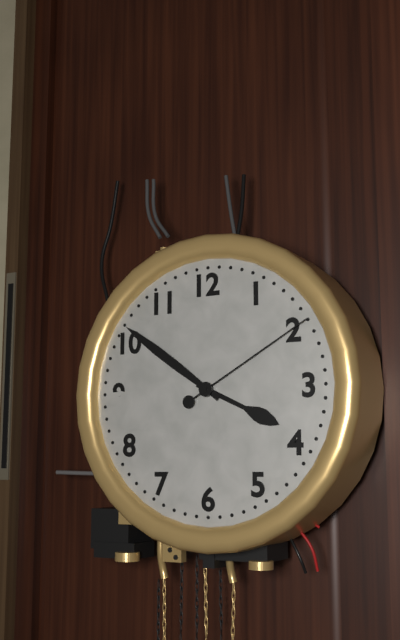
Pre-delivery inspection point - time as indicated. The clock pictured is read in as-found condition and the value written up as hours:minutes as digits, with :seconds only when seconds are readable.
3:51:10
